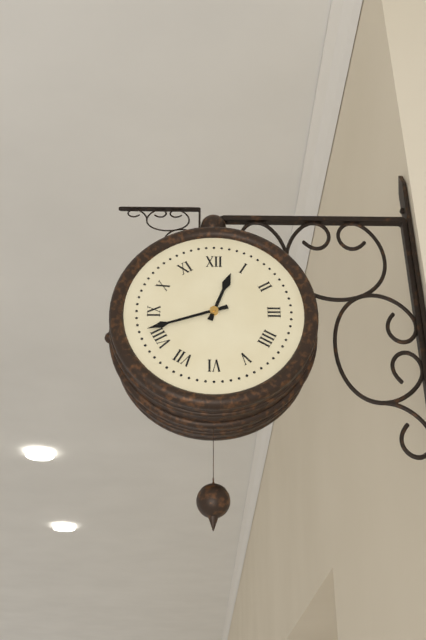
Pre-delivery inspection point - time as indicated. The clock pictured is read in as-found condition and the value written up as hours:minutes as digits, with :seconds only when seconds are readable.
12:42
